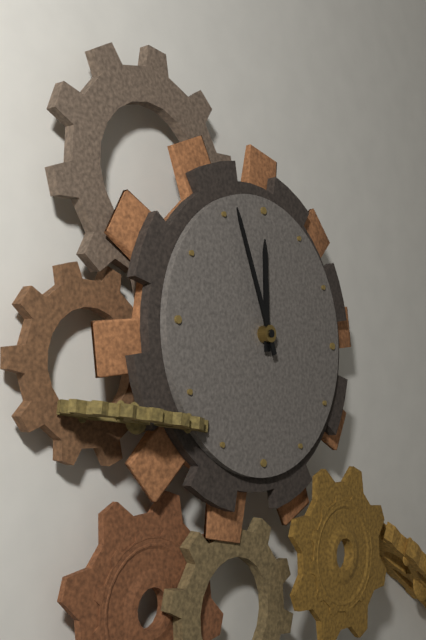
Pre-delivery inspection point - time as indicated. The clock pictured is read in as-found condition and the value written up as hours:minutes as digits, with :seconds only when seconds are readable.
11:56
